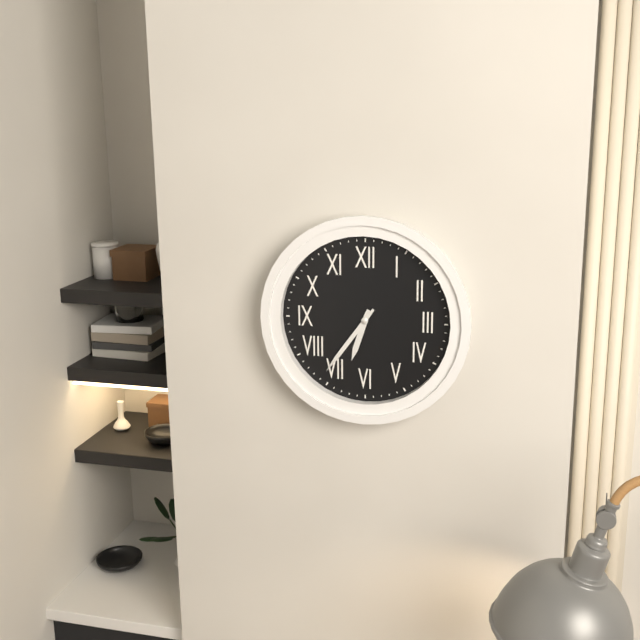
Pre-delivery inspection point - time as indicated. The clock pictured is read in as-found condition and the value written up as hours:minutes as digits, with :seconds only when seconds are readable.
6:36
